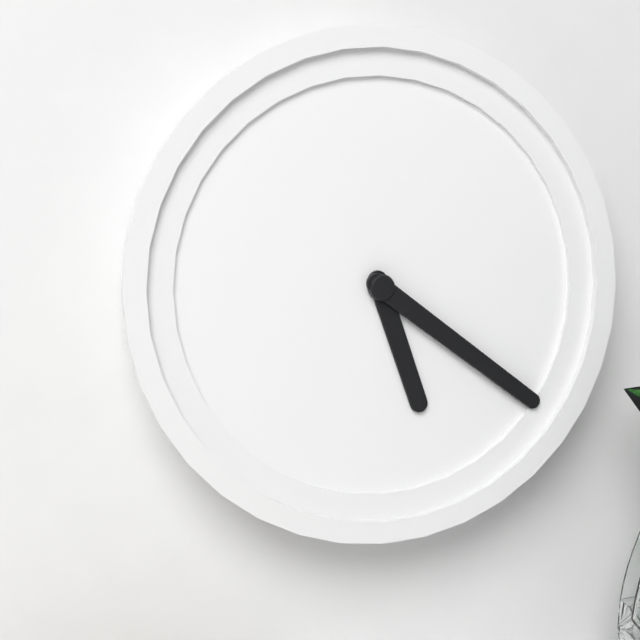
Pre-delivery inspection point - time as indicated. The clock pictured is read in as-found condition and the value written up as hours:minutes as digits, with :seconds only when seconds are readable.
5:21
